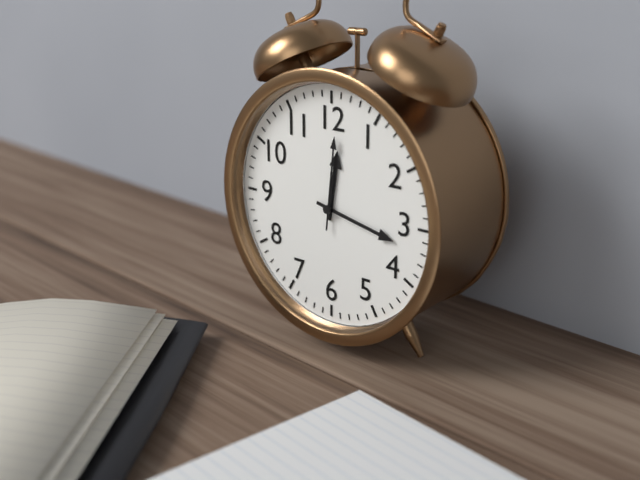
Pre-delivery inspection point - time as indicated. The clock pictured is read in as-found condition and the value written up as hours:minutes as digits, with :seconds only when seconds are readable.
12:17:01
